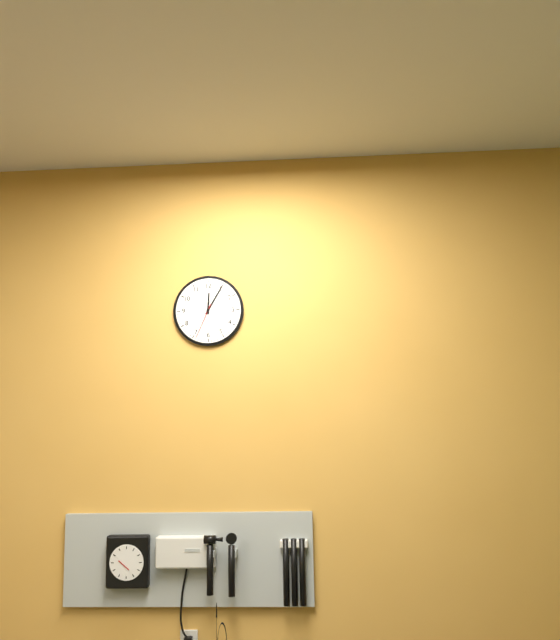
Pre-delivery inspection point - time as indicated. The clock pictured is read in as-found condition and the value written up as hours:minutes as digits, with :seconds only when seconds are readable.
12:05
